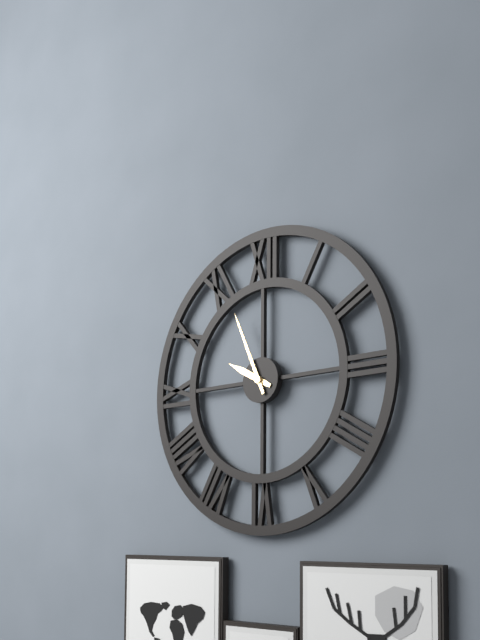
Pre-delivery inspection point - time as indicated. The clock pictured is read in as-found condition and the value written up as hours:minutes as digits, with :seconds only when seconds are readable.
9:56
